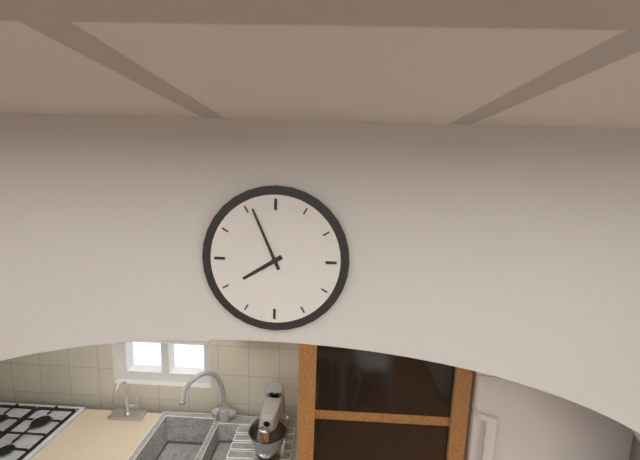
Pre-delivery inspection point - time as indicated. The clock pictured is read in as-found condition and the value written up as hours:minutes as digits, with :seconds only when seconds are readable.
7:56
